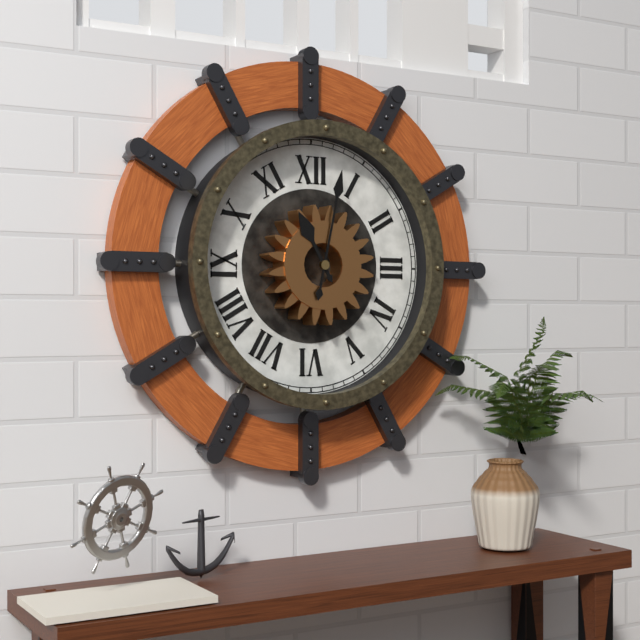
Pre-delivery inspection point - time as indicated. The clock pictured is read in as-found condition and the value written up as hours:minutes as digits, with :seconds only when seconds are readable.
11:02
